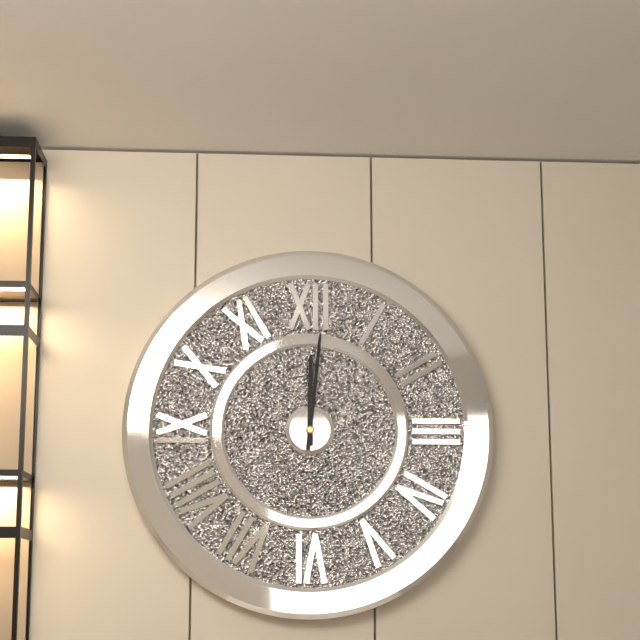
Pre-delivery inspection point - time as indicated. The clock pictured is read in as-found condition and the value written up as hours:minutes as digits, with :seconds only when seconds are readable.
12:01
